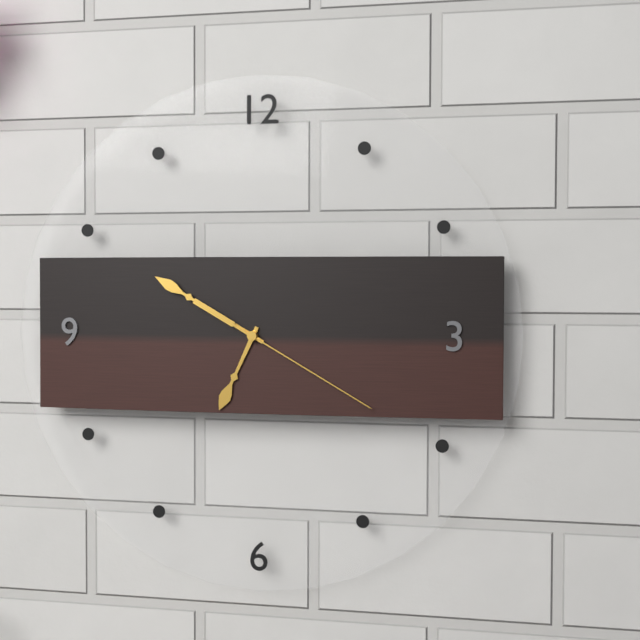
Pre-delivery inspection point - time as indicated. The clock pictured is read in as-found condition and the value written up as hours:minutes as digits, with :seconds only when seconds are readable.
6:50:20
